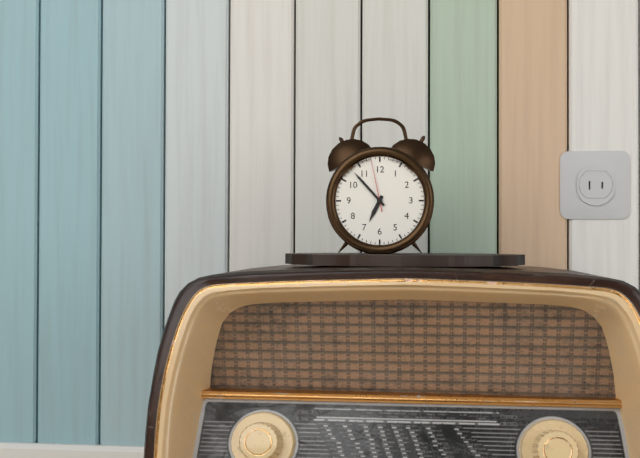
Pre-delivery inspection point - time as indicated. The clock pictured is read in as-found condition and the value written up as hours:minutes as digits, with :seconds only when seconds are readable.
6:53:58
